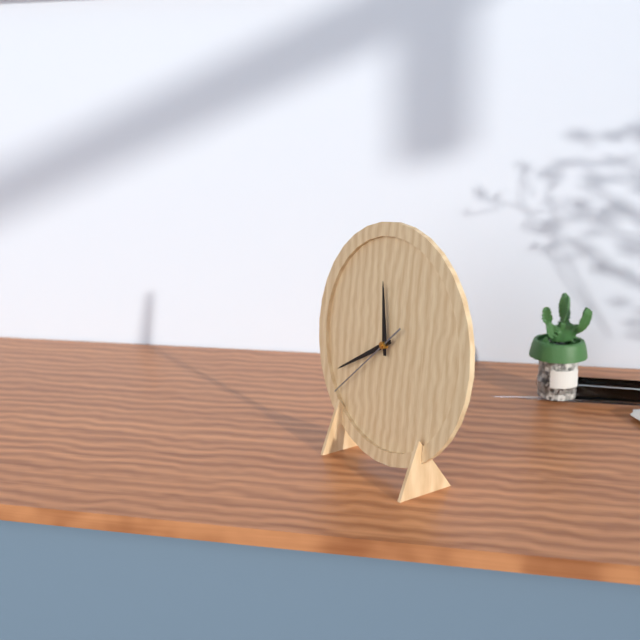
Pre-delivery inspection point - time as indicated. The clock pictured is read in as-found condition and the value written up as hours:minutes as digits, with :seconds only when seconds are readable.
11:40:38
